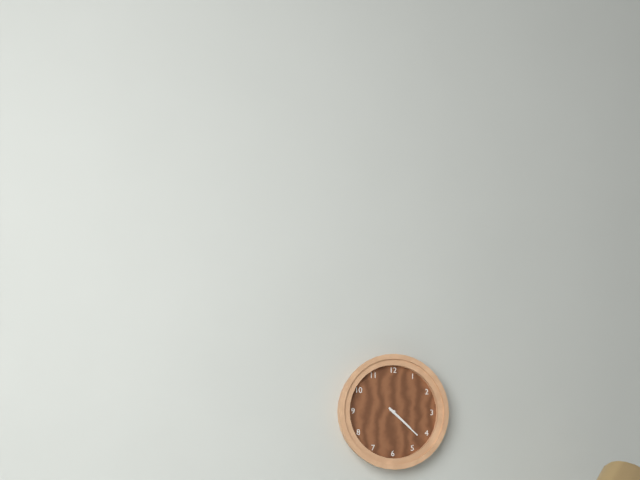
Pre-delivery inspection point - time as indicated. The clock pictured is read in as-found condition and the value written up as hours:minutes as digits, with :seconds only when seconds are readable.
4:22
